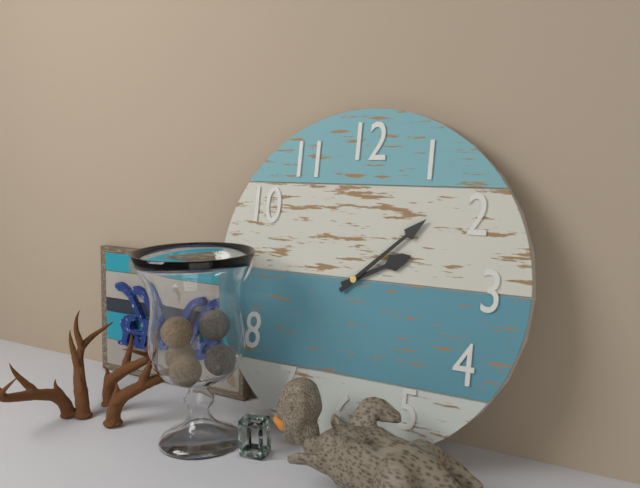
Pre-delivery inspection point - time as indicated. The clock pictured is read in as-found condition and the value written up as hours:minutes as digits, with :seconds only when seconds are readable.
2:08
